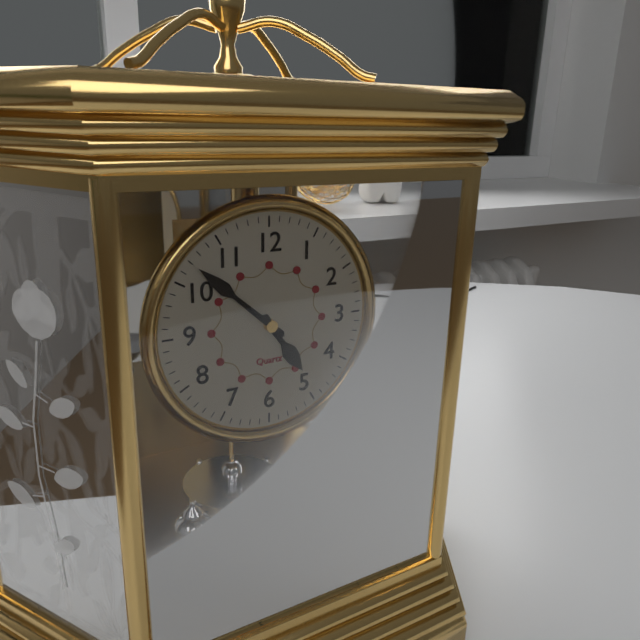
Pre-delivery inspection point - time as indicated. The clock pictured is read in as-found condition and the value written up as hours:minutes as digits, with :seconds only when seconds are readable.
4:52
